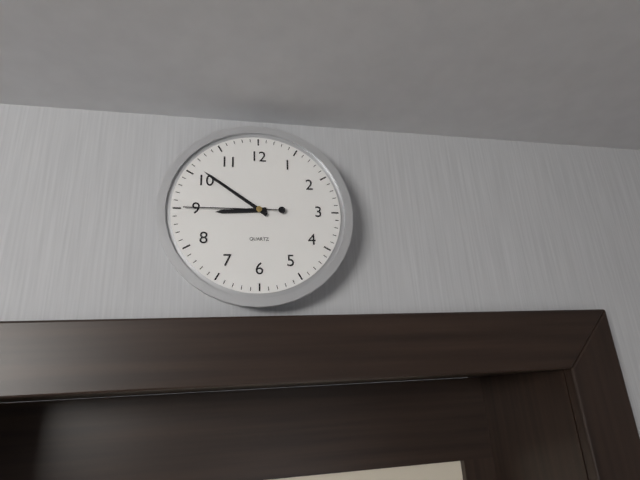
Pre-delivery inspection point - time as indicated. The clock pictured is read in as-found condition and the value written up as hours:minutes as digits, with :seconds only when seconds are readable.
8:51:45
